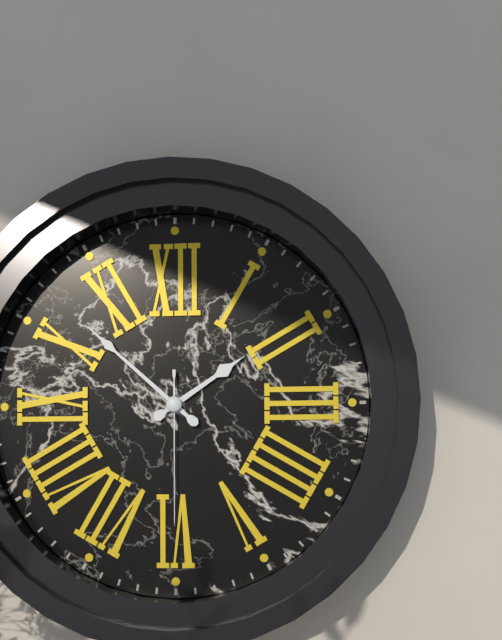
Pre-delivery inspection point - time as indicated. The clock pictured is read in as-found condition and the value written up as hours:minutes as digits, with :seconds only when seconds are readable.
1:52:30
